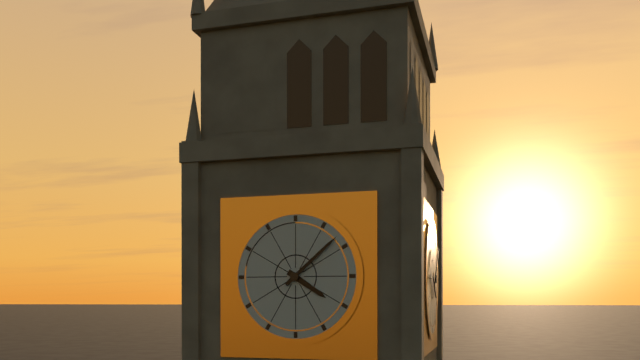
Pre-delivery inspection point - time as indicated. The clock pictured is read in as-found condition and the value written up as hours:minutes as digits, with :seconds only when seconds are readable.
4:08
